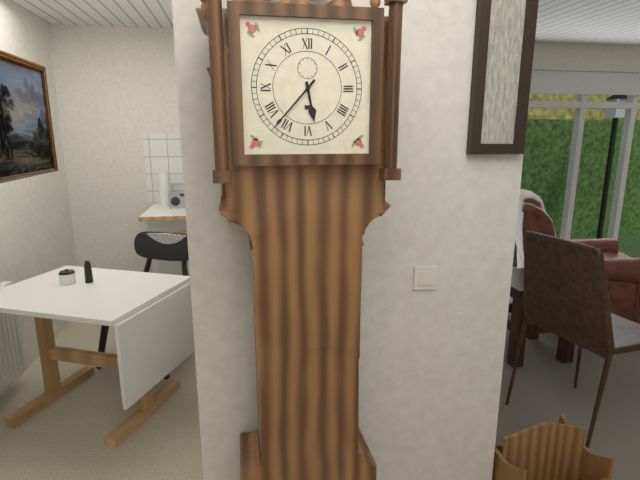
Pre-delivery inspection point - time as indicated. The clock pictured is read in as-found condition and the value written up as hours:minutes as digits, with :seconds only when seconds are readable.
5:37
